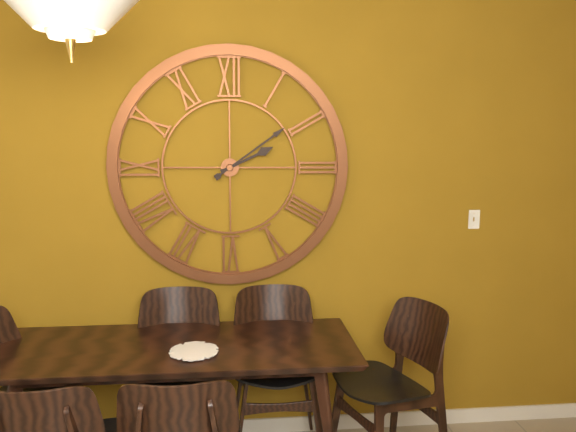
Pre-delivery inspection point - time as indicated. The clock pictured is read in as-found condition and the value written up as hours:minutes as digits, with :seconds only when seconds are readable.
2:09
